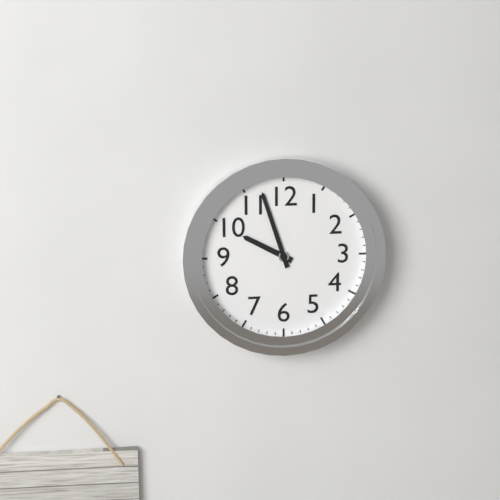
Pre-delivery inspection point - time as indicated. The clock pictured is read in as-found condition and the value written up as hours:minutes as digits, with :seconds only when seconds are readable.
9:57
